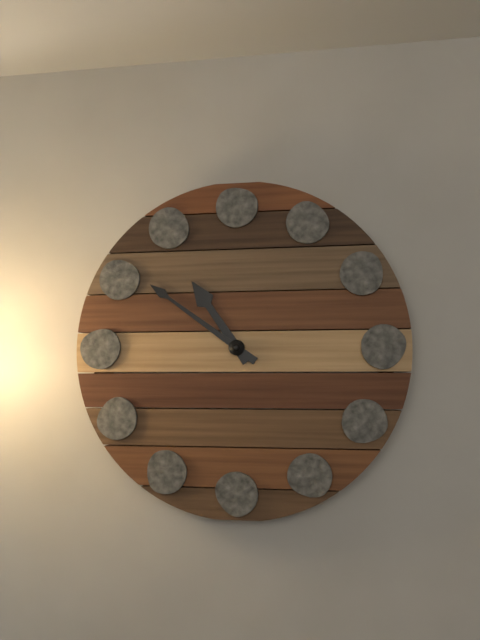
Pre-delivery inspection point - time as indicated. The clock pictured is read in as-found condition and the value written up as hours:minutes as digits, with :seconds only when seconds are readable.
10:51
